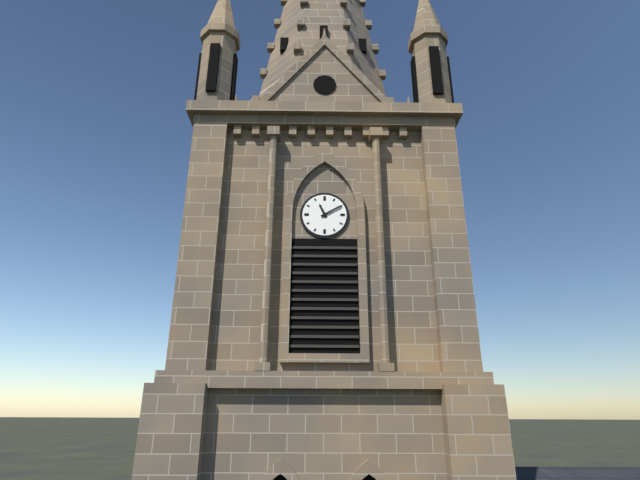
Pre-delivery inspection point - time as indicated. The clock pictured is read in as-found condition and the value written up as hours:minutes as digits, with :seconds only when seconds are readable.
11:10
